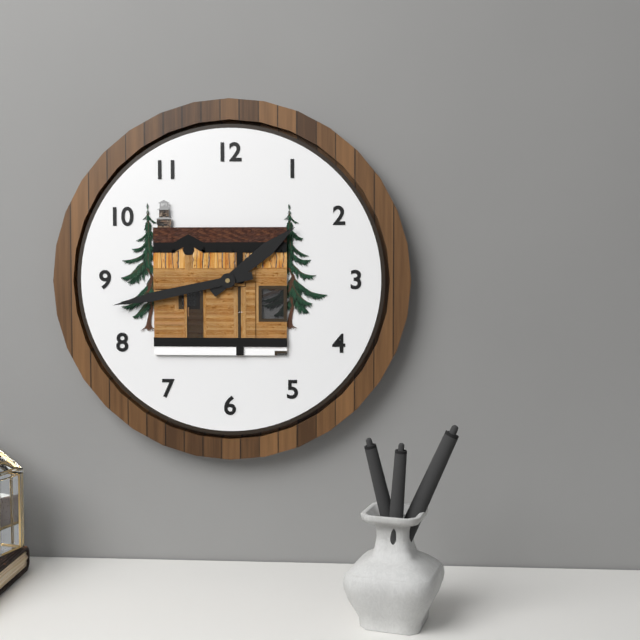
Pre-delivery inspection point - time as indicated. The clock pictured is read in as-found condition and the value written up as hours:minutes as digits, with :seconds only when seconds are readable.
1:43
